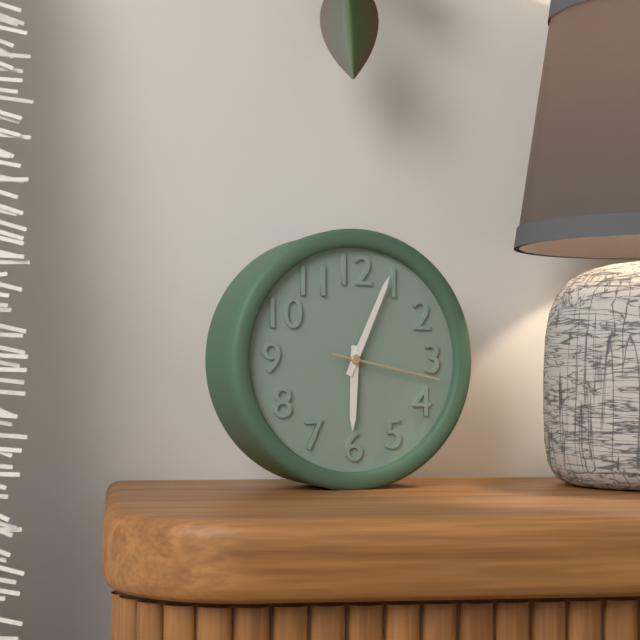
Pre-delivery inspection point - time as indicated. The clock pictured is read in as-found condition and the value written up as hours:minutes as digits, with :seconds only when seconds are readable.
6:04:17
